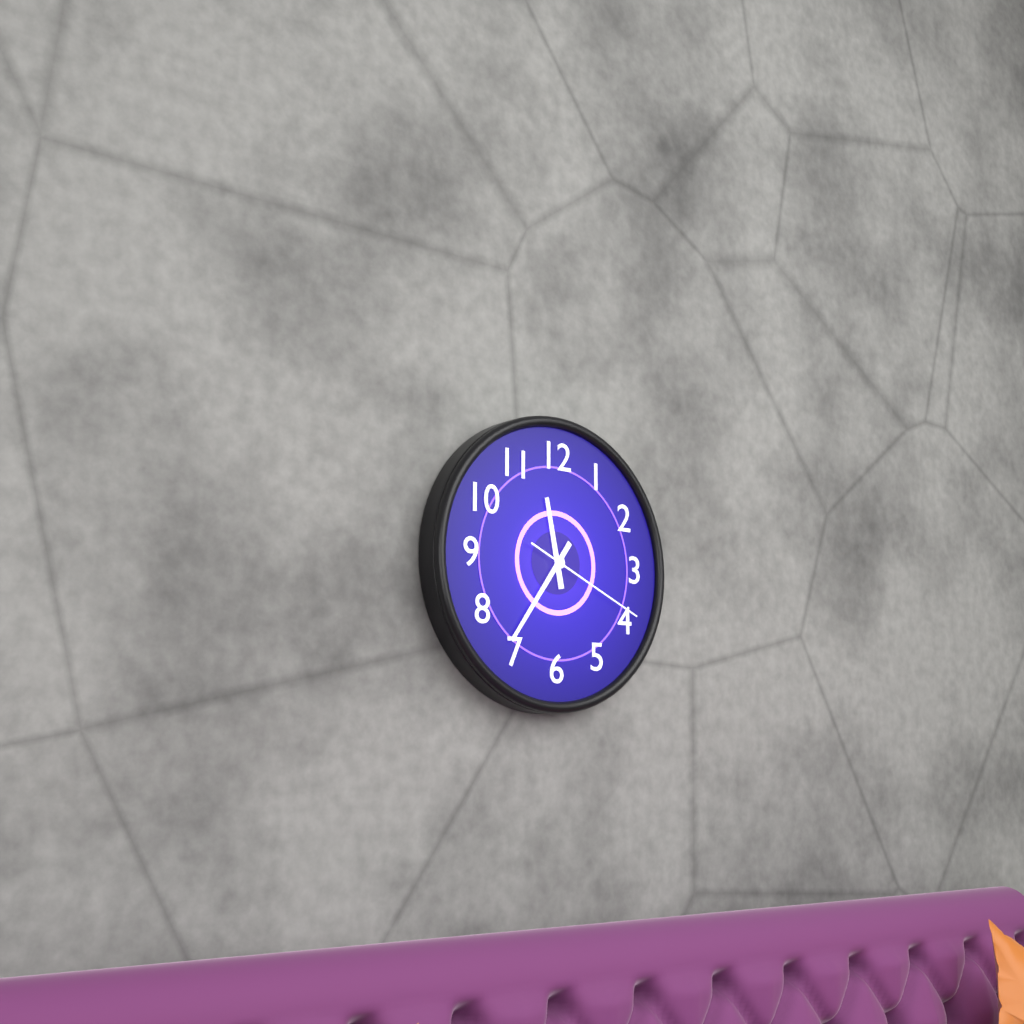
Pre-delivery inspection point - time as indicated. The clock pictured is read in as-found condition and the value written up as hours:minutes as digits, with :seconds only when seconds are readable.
11:36:19
